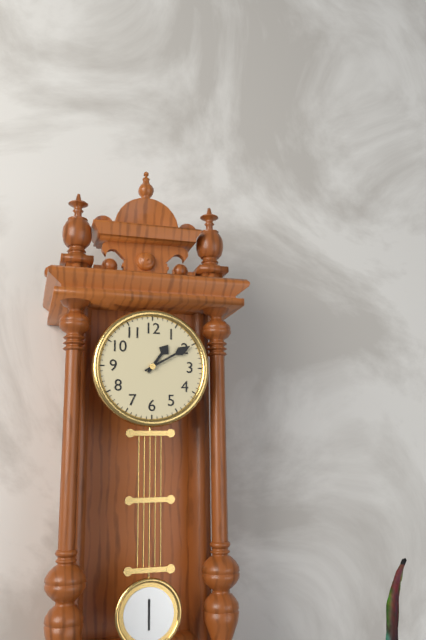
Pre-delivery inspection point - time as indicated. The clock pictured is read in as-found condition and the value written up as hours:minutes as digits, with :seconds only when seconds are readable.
1:10
